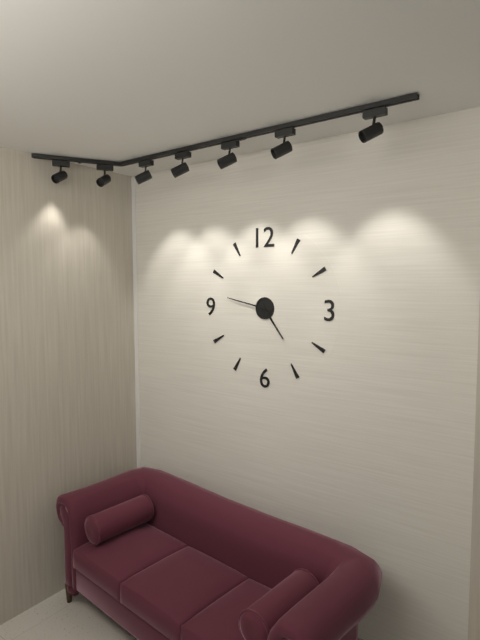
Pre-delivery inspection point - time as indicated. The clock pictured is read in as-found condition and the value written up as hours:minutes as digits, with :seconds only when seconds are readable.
4:47
